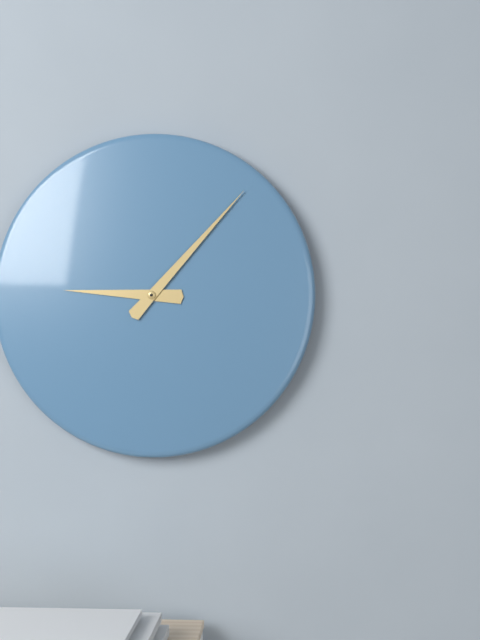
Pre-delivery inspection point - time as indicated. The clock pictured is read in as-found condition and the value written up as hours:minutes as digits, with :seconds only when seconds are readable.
9:07
